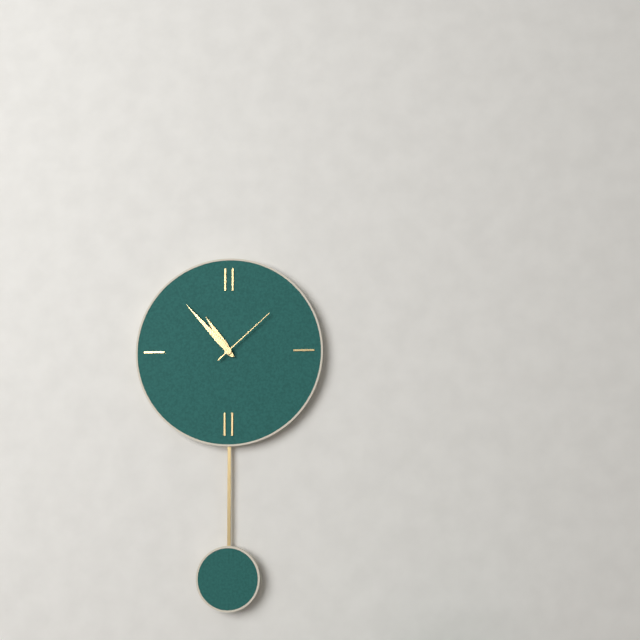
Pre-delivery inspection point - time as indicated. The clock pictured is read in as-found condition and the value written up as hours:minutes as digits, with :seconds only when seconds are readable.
10:53:08
